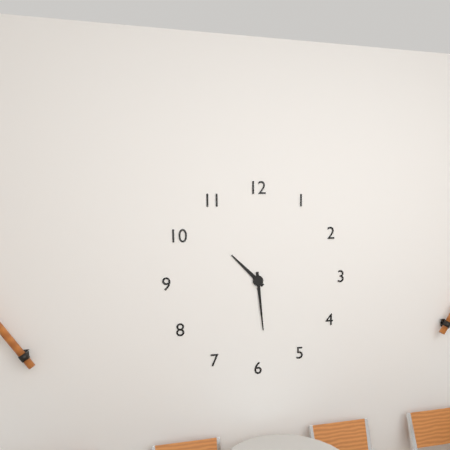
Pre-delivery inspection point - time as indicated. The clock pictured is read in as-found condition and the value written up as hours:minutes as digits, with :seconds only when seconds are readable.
10:29
